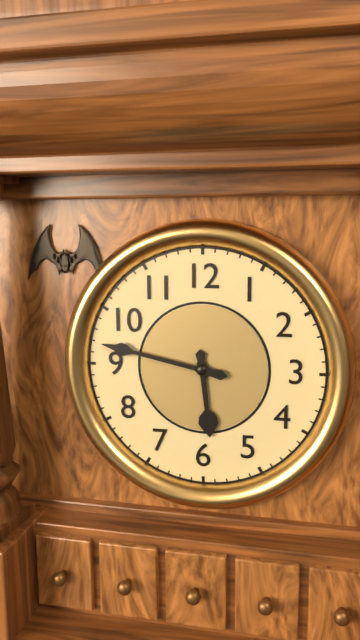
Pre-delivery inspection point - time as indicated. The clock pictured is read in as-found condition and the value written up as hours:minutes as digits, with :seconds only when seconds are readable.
5:47
